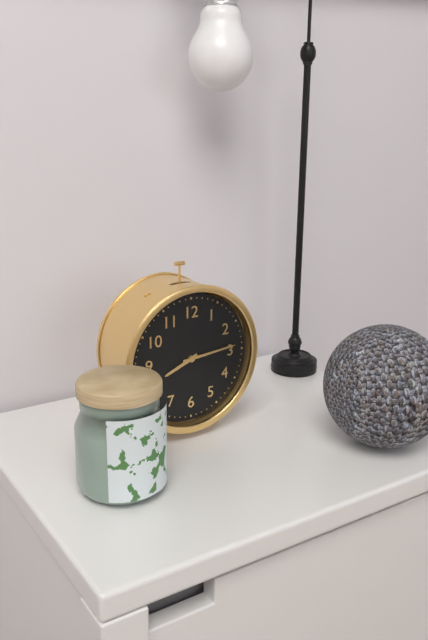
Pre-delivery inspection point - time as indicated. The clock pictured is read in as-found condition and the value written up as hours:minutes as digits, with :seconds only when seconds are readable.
8:14
